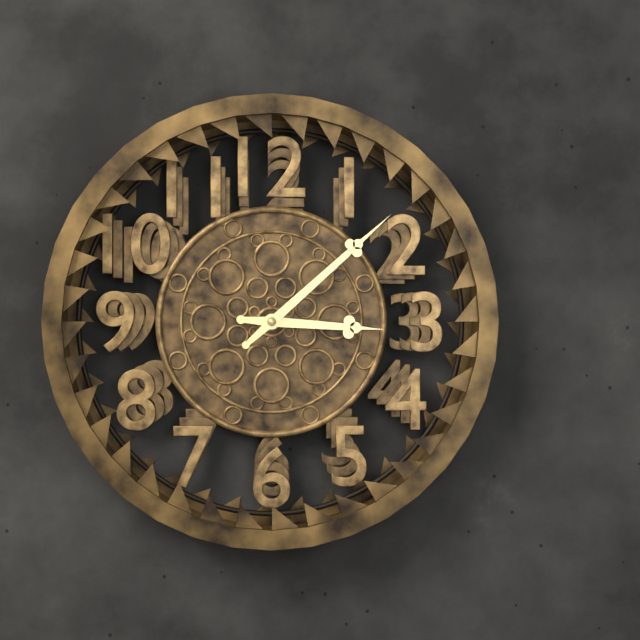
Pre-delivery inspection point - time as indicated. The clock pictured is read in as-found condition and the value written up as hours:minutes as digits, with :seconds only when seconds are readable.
3:08
